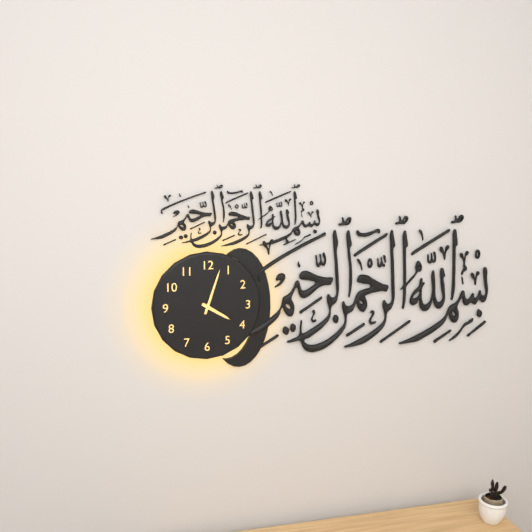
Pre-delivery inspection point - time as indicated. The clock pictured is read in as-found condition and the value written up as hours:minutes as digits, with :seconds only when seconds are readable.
4:03
